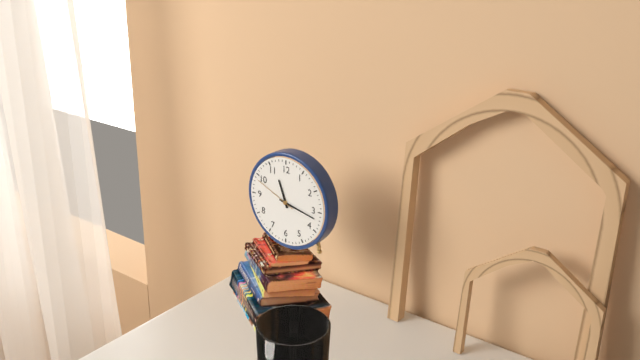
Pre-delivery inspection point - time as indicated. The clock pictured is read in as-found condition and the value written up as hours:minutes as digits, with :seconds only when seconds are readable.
11:17
